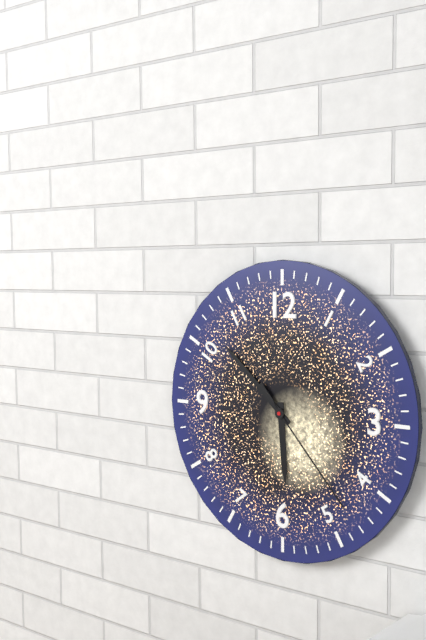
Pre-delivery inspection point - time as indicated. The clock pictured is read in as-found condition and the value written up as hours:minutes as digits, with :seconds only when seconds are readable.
5:52:23
